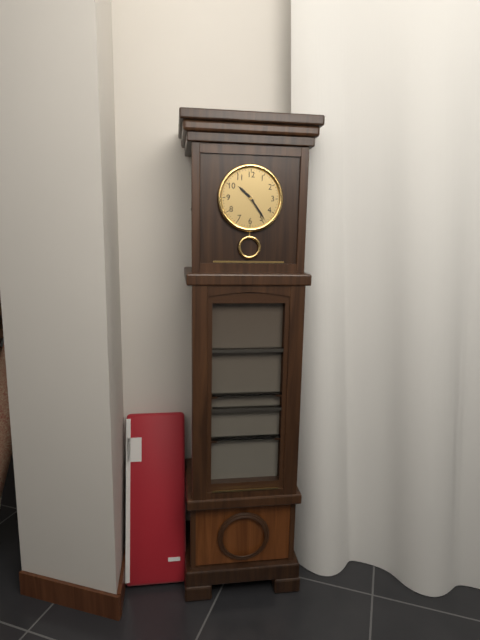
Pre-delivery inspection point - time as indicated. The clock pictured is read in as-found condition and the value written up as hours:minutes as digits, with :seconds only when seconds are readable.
10:24
